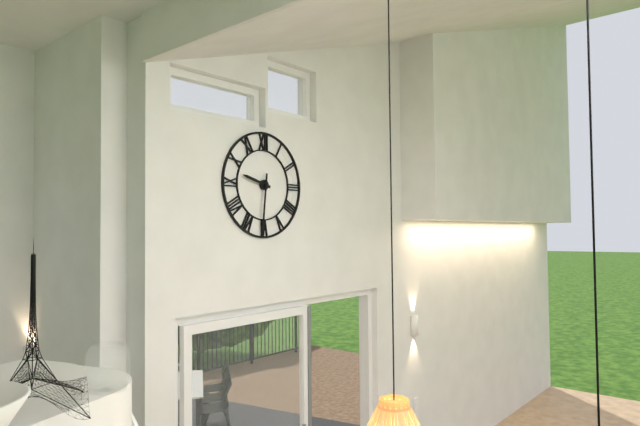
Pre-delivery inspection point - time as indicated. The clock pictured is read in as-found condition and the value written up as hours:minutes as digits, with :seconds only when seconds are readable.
9:31
